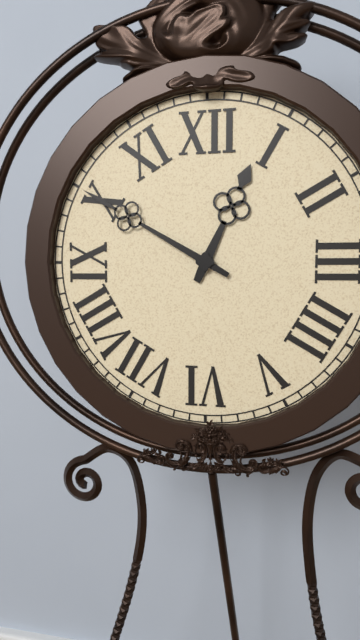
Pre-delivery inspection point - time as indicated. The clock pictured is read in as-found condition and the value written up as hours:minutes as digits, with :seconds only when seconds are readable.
12:50
